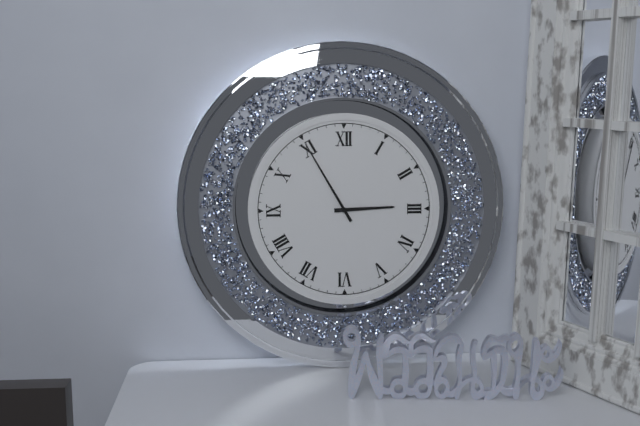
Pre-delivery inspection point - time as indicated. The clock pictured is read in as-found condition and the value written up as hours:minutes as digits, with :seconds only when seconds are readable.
2:55
